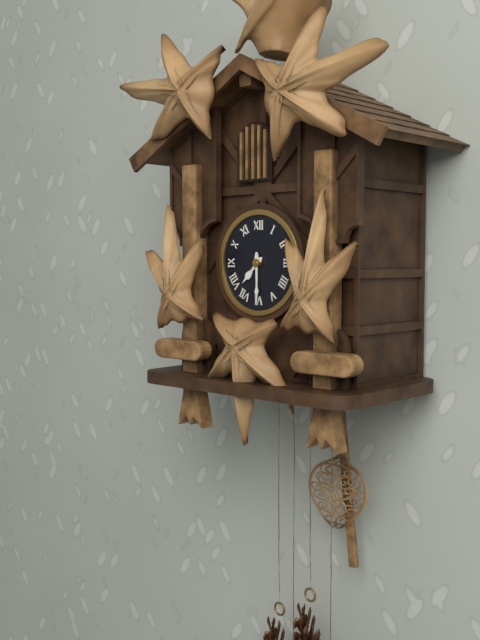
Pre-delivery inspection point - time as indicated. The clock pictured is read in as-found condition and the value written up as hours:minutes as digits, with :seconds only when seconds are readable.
7:30
